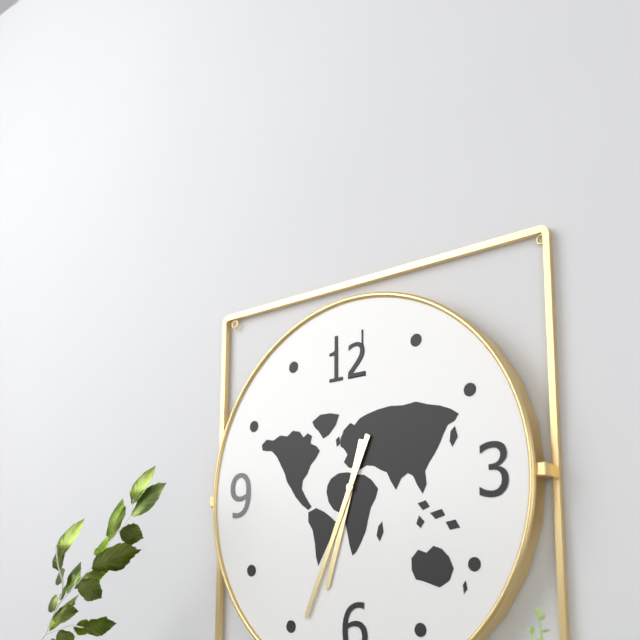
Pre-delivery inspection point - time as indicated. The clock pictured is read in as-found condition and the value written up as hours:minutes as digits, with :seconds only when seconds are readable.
6:34
